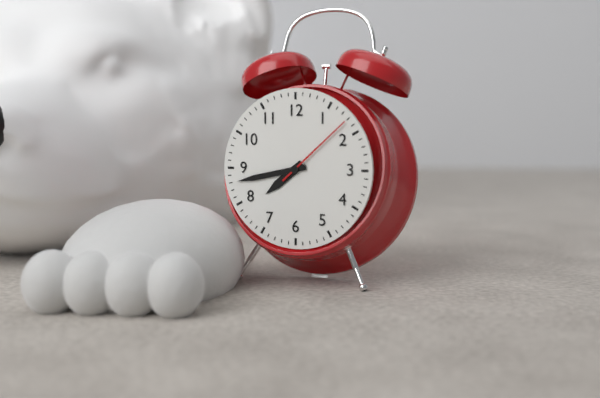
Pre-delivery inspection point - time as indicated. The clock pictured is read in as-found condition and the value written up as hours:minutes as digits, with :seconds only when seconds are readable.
7:43:08
